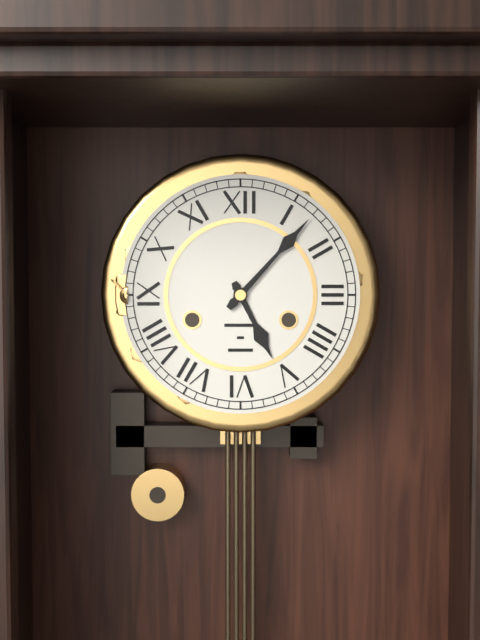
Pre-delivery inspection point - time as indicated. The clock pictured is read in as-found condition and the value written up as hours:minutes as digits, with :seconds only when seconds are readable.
5:07
